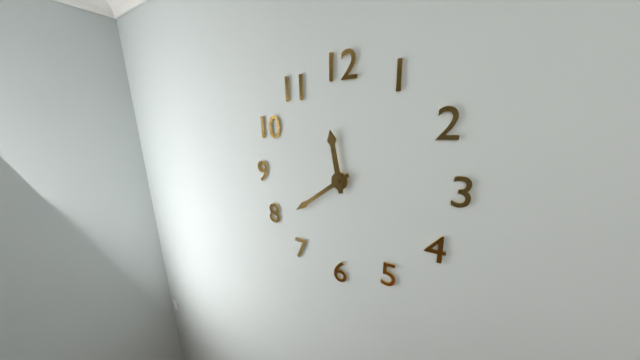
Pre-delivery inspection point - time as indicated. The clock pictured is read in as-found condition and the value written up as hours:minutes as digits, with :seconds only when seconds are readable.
11:39
